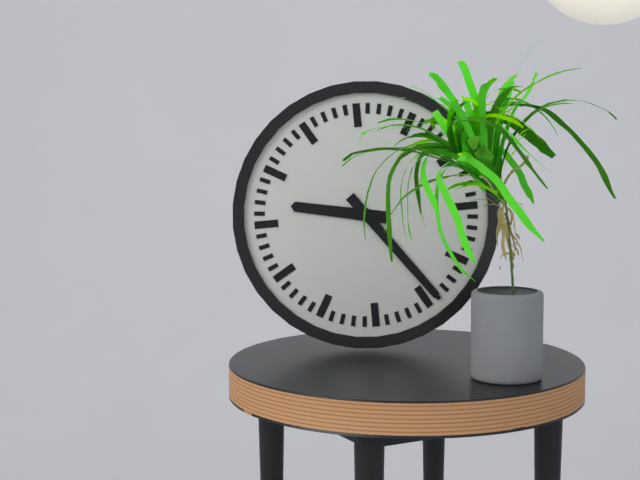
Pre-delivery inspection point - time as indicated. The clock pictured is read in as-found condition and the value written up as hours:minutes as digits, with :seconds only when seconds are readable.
9:24
